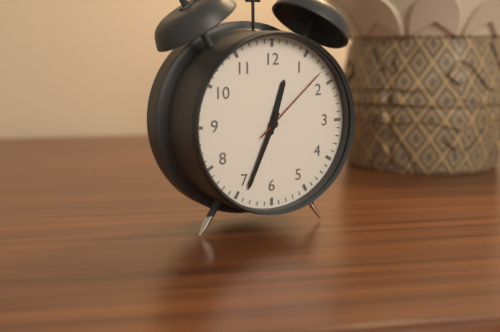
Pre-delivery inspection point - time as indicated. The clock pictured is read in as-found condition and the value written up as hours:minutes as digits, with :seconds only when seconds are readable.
12:34:08
